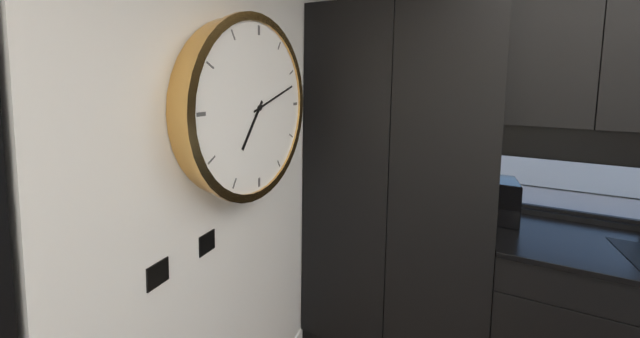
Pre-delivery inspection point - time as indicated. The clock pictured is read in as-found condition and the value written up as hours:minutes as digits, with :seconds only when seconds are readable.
7:12
